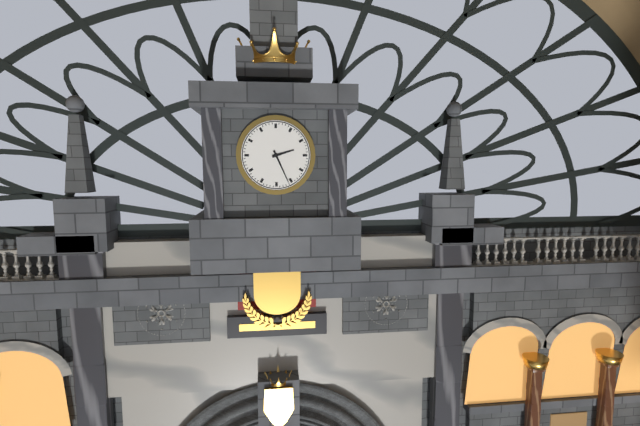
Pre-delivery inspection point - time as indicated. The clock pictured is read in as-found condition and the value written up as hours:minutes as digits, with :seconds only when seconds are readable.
2:26
